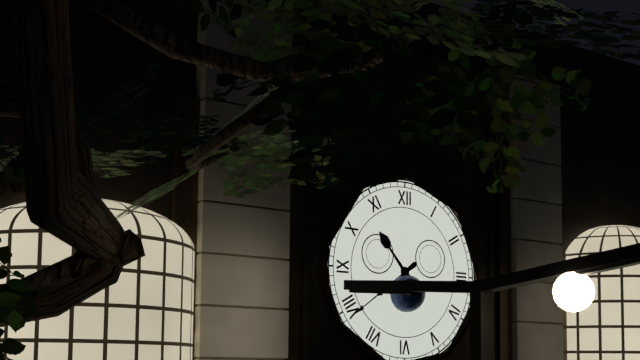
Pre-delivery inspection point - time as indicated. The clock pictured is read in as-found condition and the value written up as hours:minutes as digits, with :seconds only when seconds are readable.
10:39
